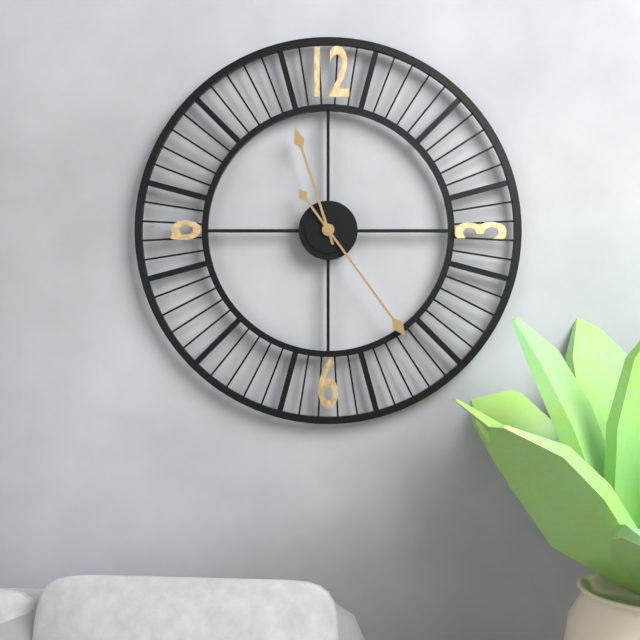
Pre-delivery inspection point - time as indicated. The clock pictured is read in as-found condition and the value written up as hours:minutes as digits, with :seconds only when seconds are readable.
11:24
